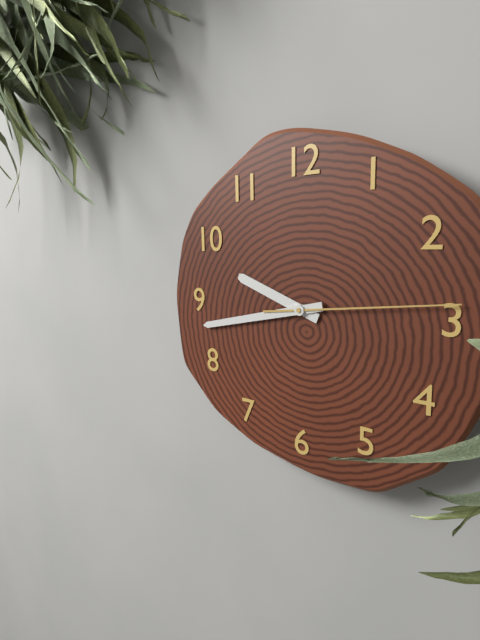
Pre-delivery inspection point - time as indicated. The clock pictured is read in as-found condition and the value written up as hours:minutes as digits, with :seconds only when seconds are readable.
9:43:14
